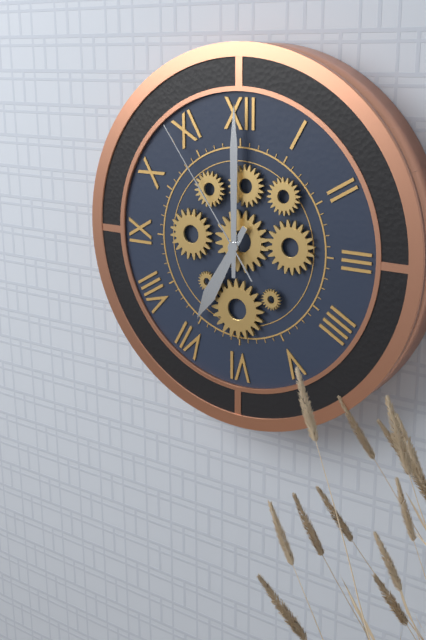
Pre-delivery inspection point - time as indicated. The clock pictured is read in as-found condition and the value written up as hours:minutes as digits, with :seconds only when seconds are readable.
7:00:54
